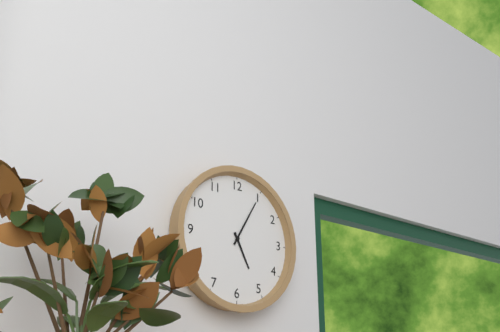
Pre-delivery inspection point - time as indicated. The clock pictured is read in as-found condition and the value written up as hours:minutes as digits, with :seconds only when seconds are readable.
5:05
